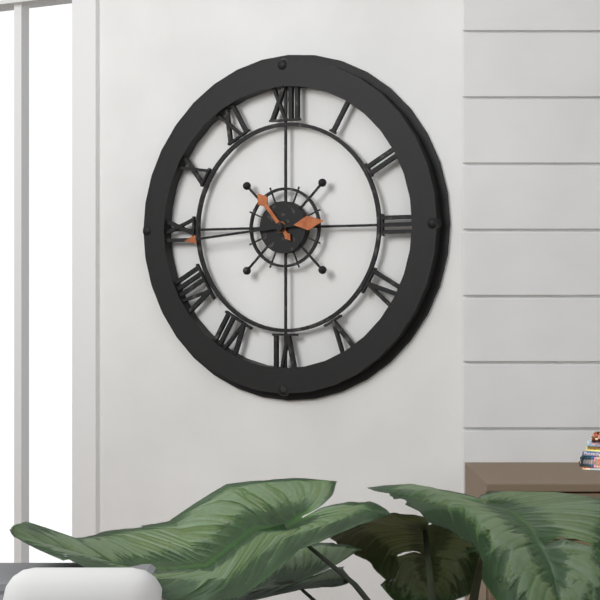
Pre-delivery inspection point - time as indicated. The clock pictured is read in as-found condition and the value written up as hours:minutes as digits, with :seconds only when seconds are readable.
10:44
